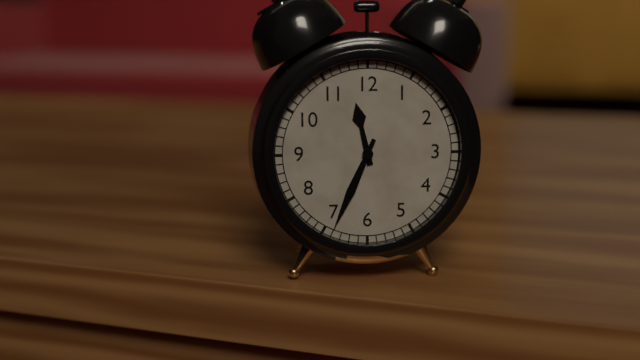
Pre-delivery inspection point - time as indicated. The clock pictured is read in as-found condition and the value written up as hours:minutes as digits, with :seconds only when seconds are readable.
11:34
